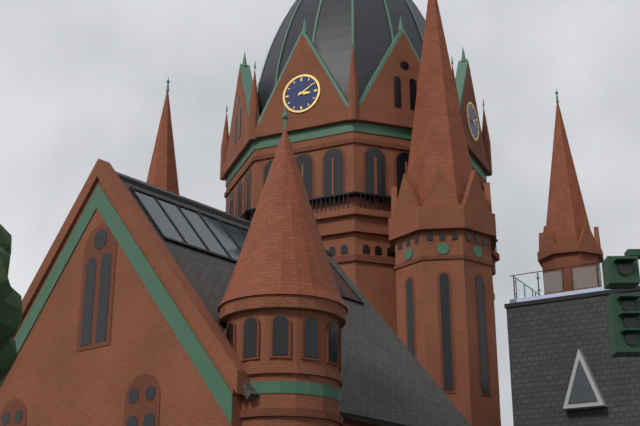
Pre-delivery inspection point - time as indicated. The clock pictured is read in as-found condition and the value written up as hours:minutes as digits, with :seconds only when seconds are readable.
3:10
